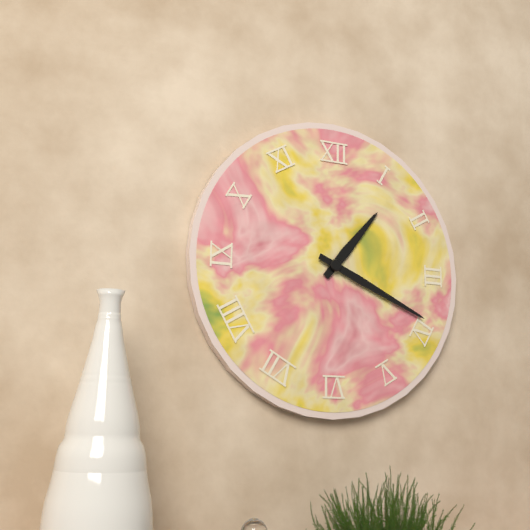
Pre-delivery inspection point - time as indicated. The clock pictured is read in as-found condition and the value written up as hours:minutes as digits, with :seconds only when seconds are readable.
1:19
